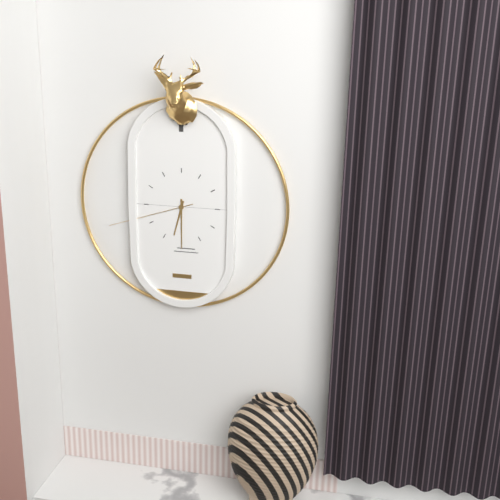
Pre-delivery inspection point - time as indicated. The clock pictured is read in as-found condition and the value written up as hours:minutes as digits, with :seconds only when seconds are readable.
6:30:42
